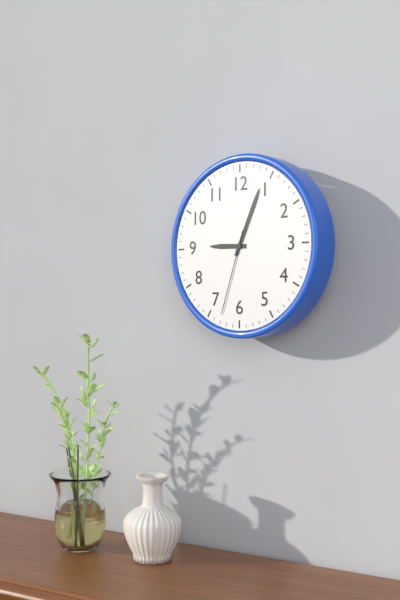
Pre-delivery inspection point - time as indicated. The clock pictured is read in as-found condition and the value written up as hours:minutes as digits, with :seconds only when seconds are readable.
9:04:33
